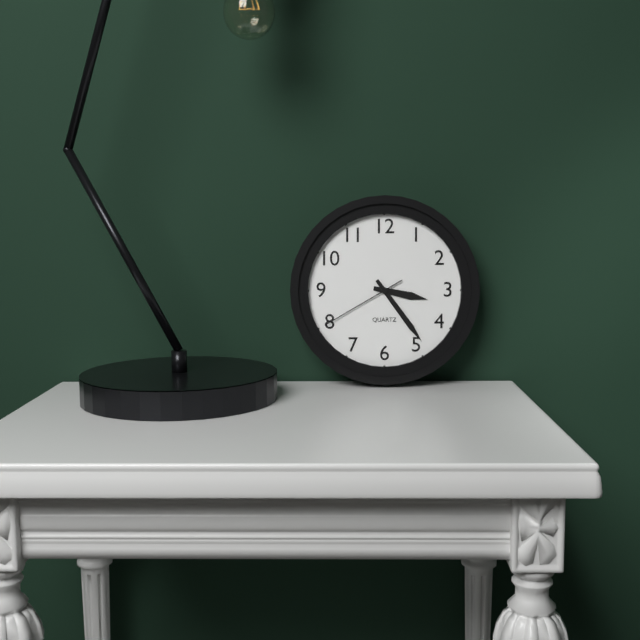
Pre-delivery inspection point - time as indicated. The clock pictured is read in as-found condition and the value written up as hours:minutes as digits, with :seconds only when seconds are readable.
3:24:40
